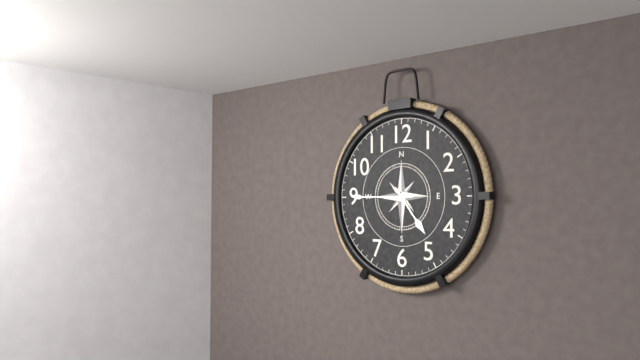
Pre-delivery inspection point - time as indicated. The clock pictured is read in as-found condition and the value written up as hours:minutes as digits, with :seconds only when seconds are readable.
4:45
